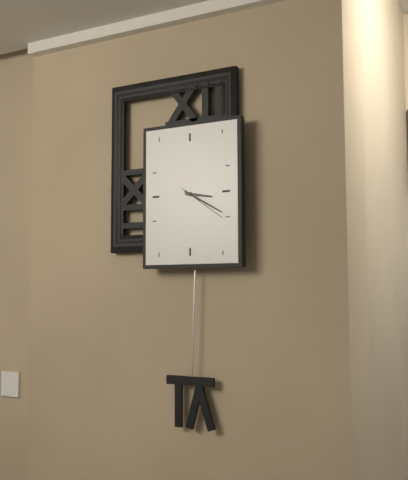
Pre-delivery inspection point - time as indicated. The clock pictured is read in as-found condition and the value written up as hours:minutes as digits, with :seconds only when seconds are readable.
3:20:21
